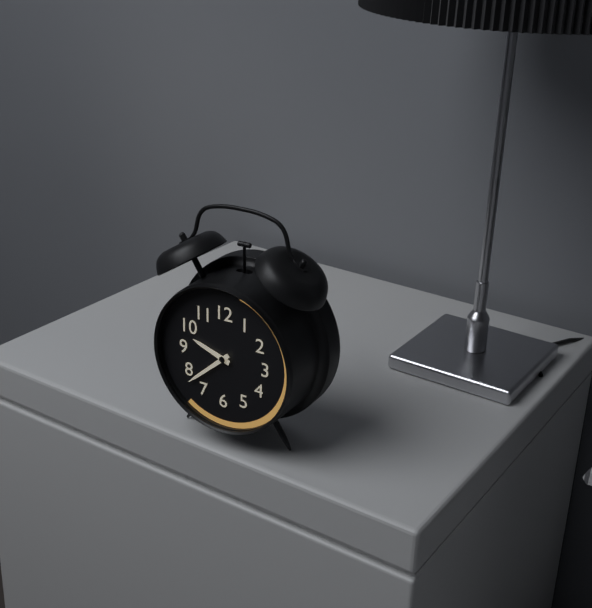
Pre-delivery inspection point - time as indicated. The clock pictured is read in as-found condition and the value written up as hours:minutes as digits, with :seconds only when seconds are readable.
9:38
